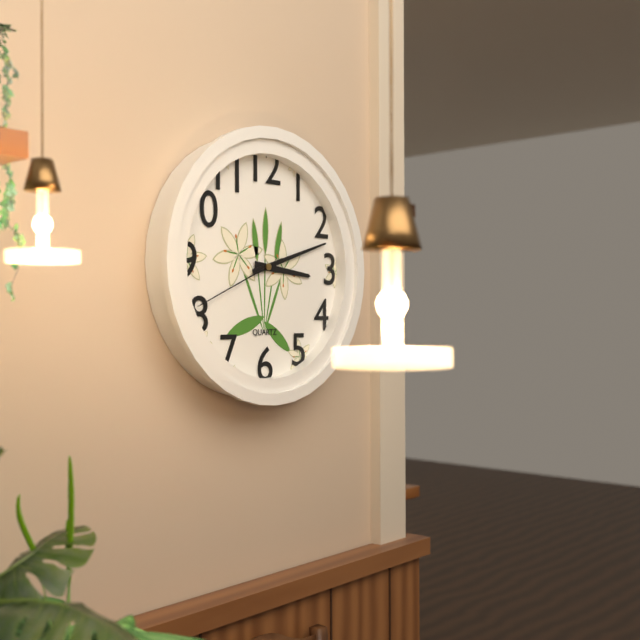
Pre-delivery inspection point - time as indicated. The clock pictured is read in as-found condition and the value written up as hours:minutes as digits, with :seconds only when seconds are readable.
3:12:41
